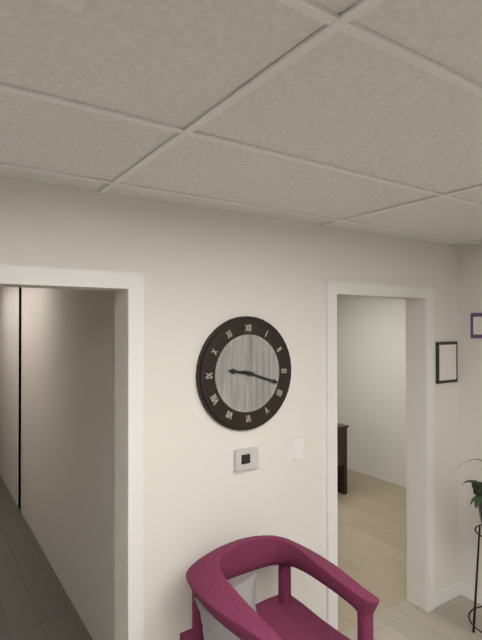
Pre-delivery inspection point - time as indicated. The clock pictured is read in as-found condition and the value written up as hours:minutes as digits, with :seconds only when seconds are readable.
9:18
